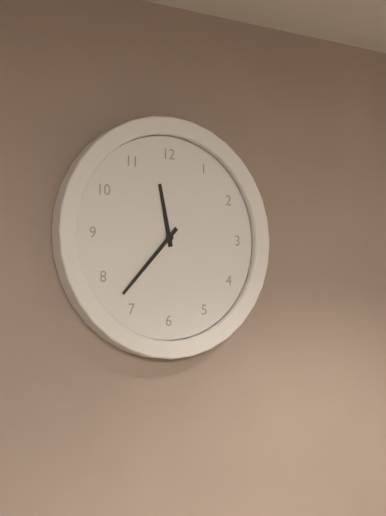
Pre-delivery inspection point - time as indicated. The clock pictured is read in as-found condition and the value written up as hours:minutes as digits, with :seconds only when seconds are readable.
11:37
